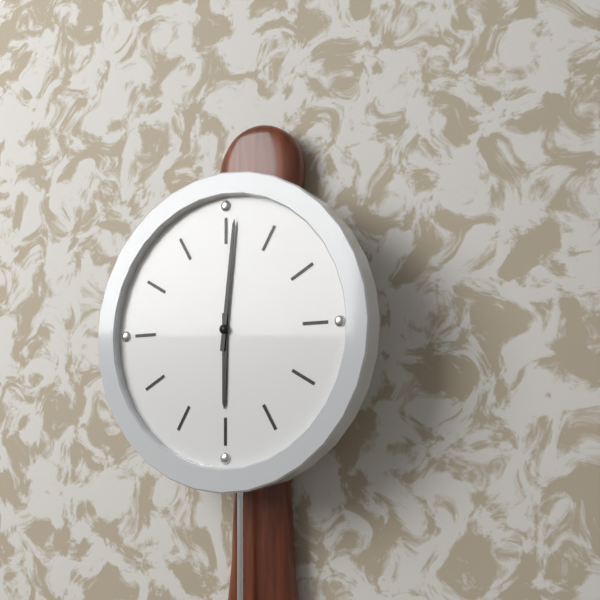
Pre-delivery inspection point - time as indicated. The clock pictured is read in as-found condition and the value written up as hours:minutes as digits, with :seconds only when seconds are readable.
6:01
